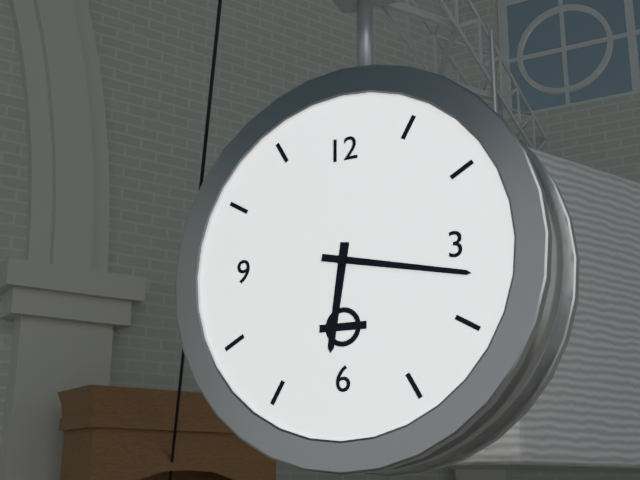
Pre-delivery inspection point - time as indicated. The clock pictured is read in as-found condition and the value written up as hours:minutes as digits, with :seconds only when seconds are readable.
6:17
